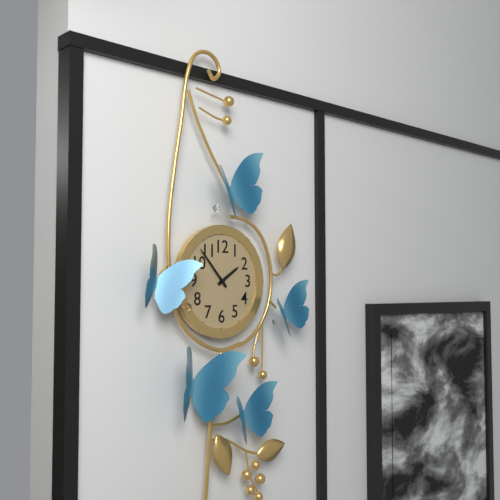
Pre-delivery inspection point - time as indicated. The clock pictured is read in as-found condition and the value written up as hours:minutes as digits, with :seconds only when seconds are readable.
1:53
